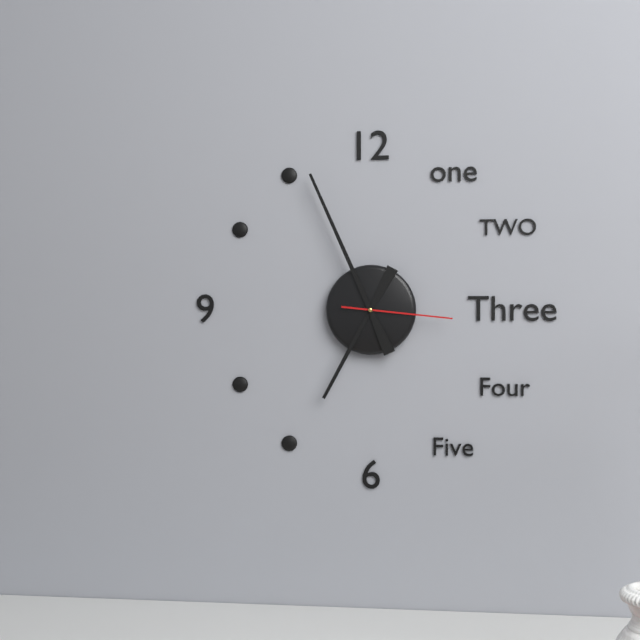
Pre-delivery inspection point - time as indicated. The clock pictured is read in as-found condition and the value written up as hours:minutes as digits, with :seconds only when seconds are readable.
6:56:16
